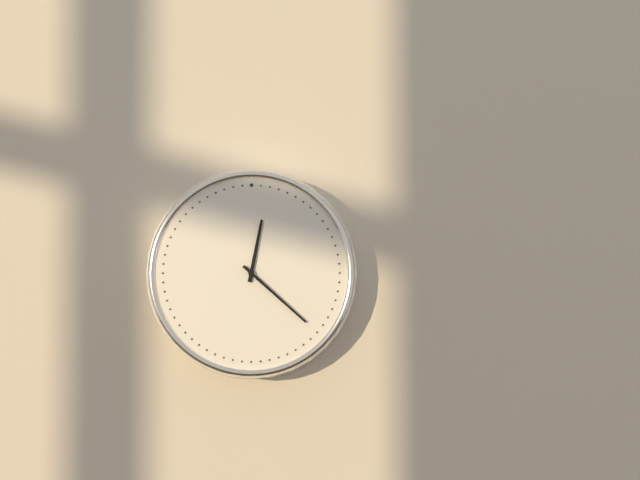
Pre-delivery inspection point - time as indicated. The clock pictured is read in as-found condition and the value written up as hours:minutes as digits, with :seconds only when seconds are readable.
12:22
